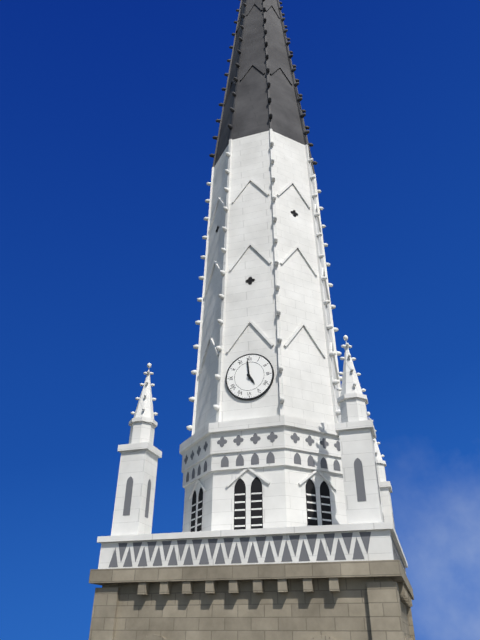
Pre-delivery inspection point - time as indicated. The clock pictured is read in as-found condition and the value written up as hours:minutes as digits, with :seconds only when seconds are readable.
4:59
